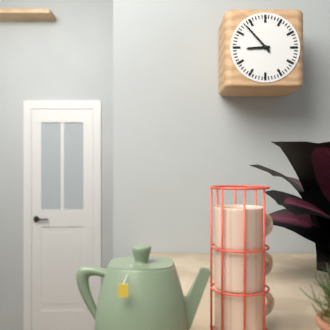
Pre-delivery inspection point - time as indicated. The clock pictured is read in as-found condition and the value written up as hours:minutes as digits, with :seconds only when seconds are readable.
8:53
